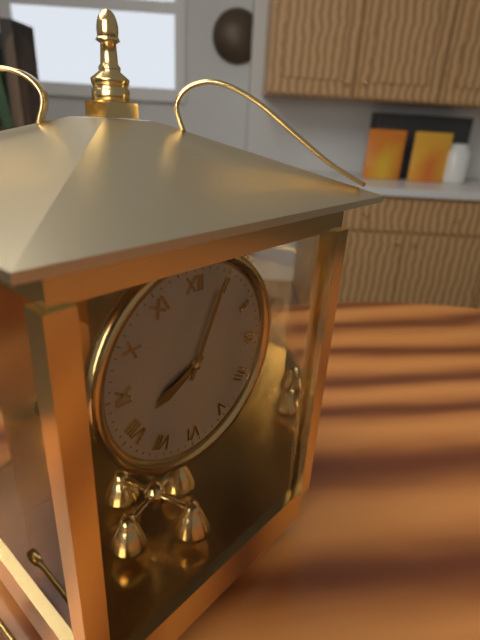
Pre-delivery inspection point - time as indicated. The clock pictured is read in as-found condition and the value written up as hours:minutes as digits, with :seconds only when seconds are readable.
8:04
